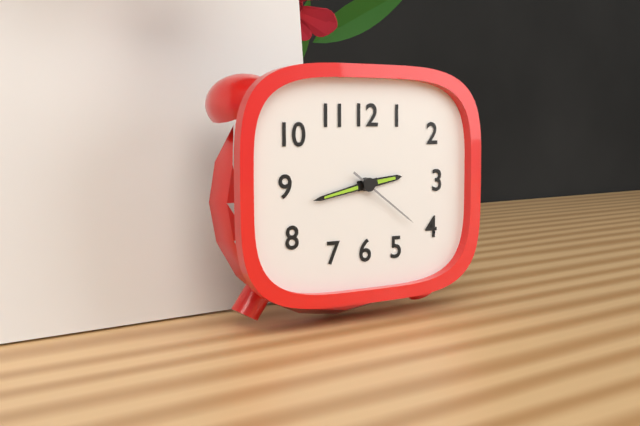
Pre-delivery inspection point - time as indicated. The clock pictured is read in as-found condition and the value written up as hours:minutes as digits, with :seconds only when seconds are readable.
2:43:21
